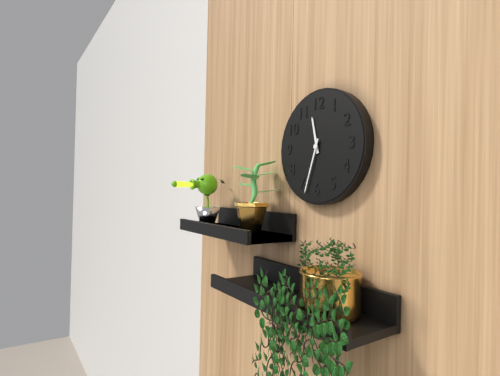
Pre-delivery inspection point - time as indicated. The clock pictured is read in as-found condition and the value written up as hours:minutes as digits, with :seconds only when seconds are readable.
11:33
